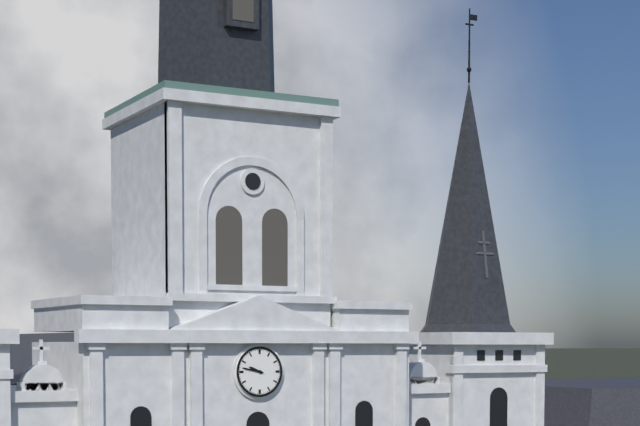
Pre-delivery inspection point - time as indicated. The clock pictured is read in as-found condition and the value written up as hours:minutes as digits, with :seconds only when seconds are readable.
9:47
